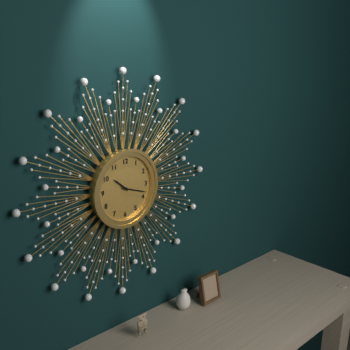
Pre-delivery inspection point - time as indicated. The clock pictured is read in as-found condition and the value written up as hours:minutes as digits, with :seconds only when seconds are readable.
10:18
